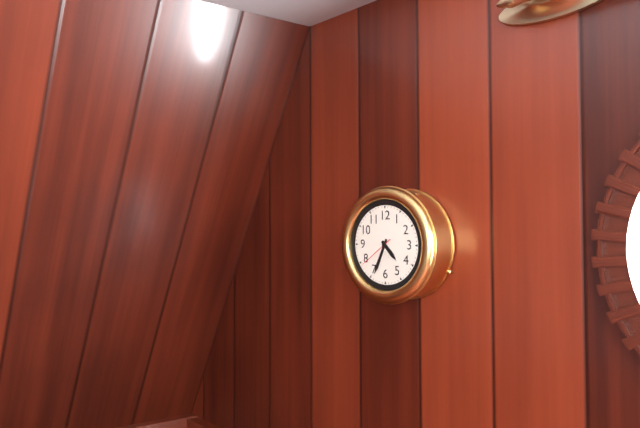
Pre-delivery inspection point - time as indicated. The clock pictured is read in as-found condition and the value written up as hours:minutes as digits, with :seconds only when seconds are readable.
4:34
